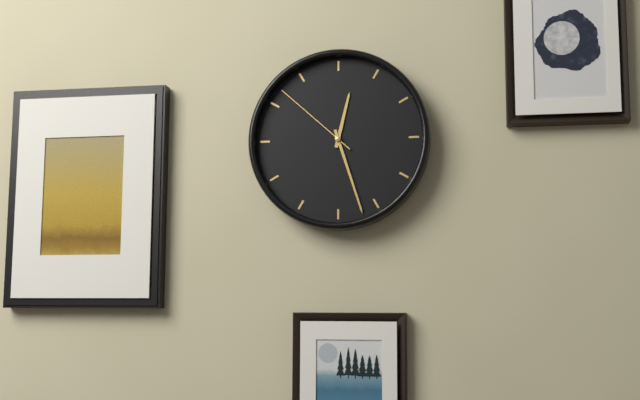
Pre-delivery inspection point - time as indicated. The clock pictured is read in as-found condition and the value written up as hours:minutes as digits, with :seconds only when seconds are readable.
12:27:52
